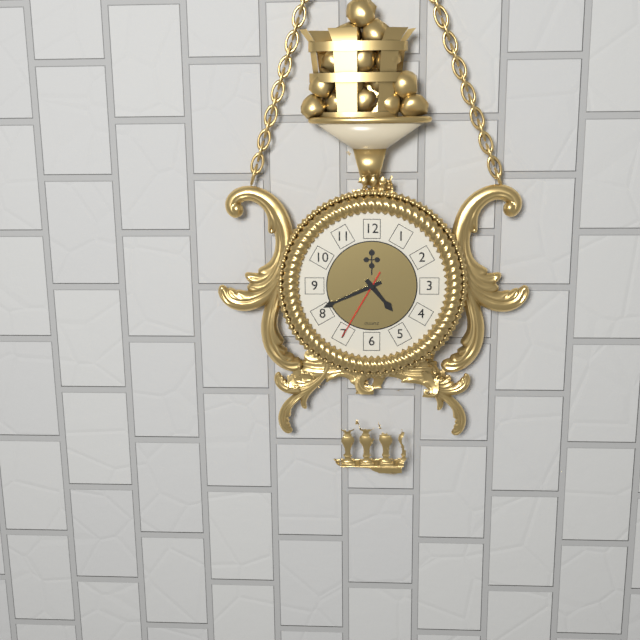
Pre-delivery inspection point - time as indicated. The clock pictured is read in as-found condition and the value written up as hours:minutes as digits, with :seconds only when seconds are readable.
4:41:35
